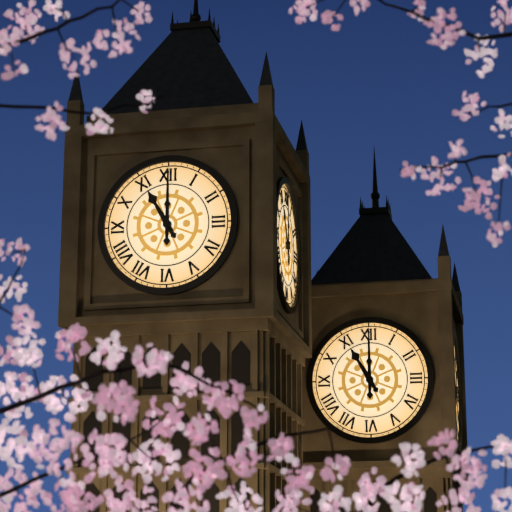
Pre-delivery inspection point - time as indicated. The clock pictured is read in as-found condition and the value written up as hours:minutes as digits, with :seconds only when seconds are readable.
11:00
